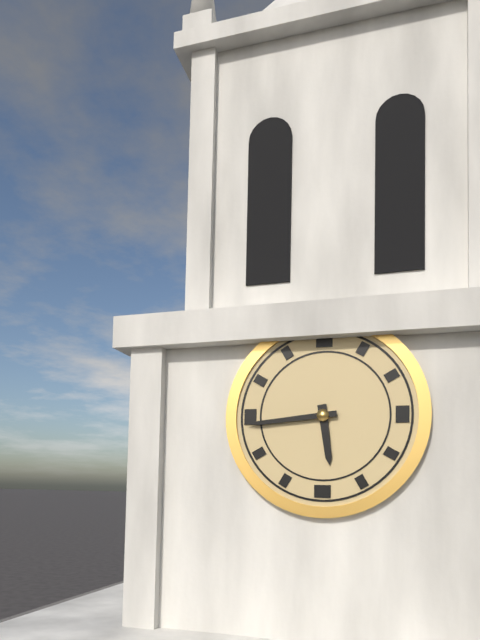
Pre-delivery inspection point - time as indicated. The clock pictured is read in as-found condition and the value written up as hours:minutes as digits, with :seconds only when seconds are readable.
5:44
